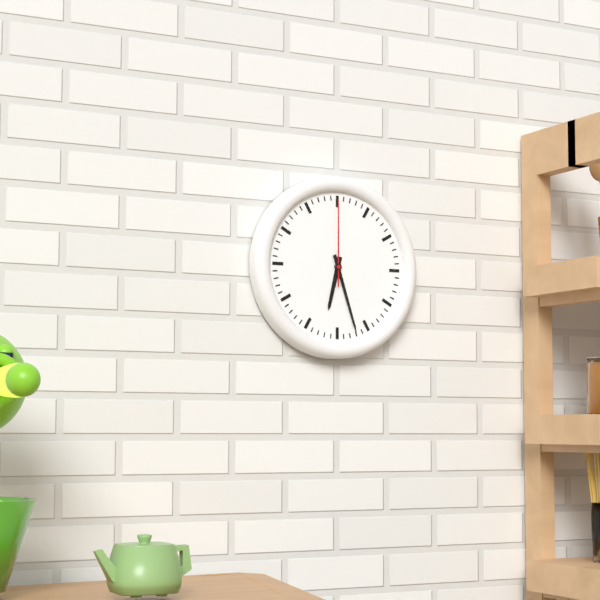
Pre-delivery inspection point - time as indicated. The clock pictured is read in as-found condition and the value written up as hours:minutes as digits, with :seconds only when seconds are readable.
6:27:00
